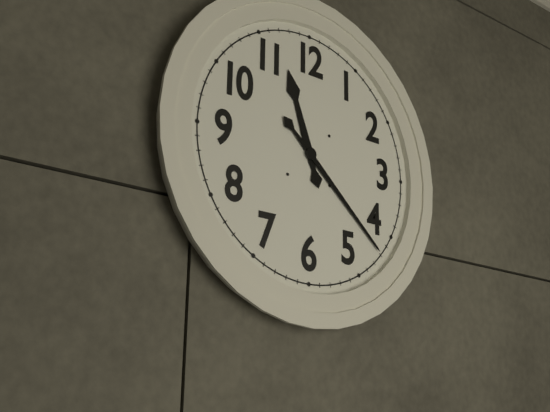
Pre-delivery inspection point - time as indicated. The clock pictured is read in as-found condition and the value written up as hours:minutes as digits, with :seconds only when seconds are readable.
11:22
